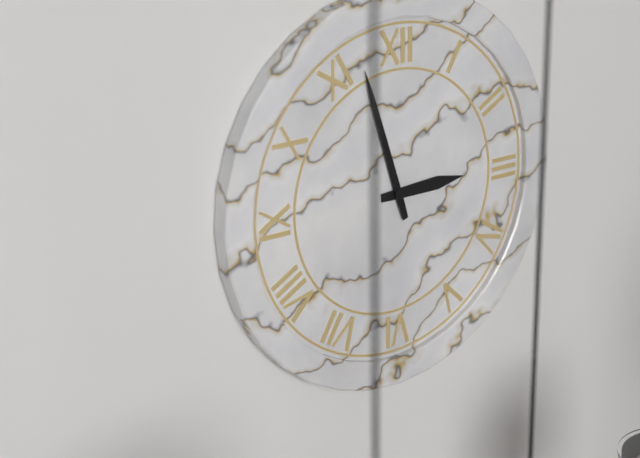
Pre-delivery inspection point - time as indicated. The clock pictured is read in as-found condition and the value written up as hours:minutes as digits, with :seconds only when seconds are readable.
2:57
